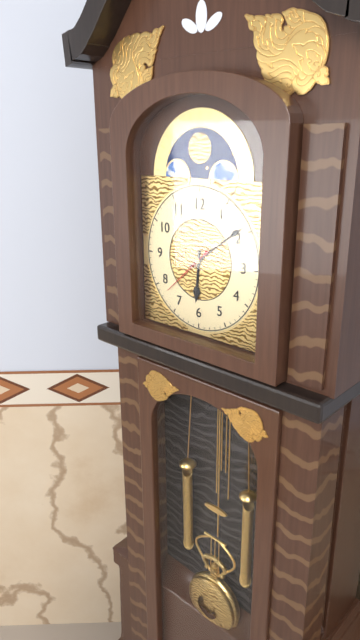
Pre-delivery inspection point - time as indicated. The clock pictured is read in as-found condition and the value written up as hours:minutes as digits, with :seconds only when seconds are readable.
6:09:38
